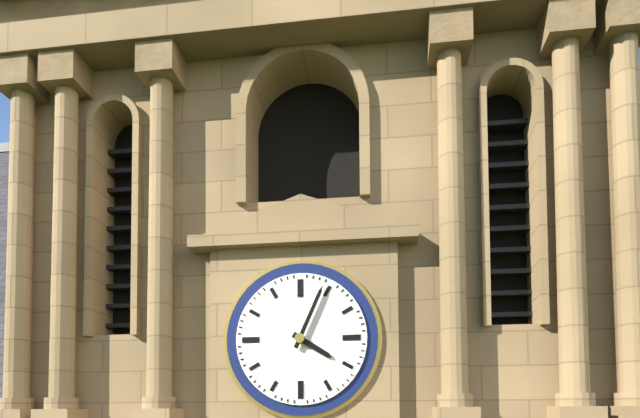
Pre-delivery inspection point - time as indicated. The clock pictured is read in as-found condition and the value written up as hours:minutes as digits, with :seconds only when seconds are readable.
4:04
